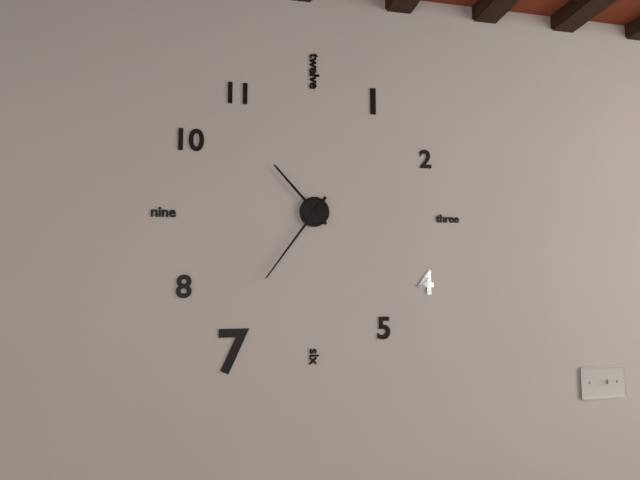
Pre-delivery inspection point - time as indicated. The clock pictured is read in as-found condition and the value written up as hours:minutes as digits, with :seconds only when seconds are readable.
10:36
